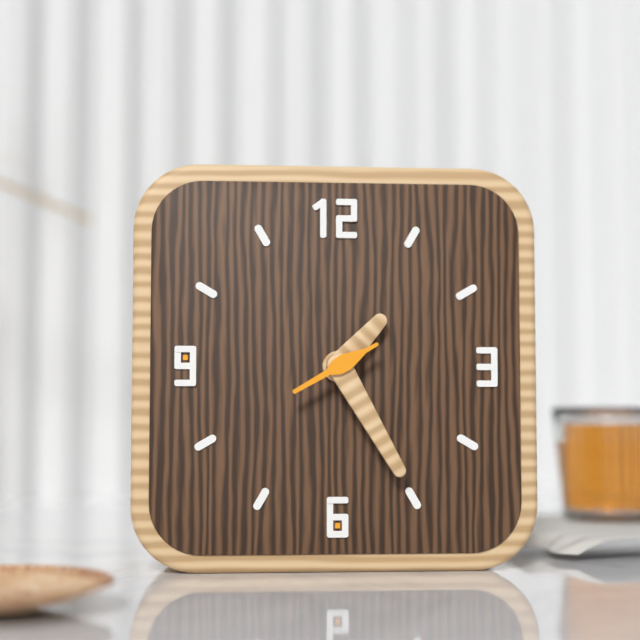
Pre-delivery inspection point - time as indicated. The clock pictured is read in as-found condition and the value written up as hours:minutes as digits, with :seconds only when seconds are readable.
1:25:40
